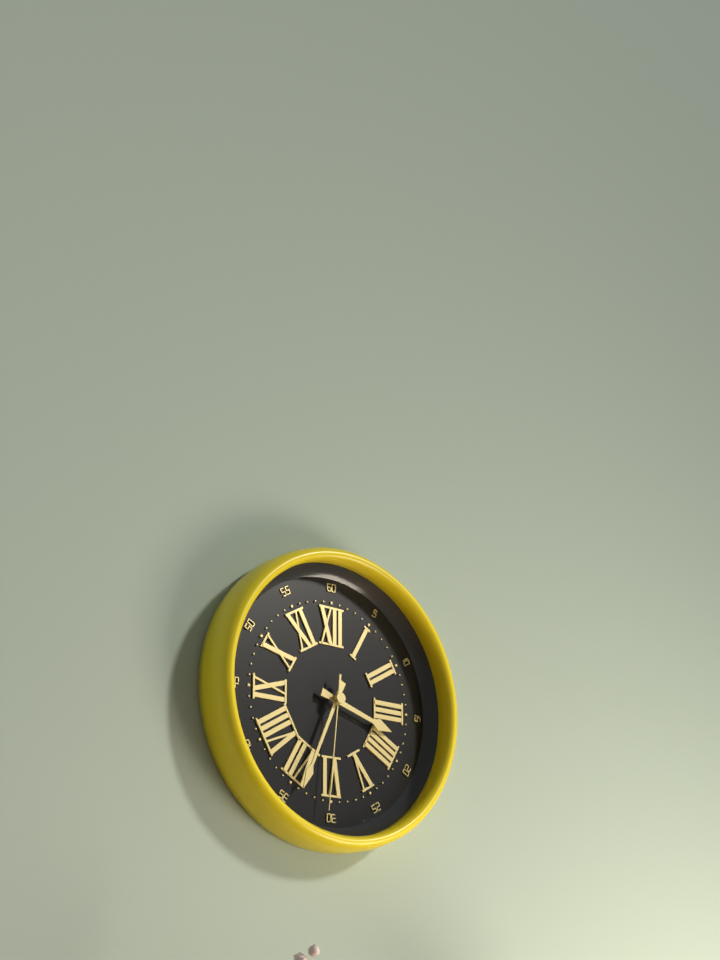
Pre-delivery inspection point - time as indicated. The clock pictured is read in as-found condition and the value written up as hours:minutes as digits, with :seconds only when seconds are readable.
3:34:31
